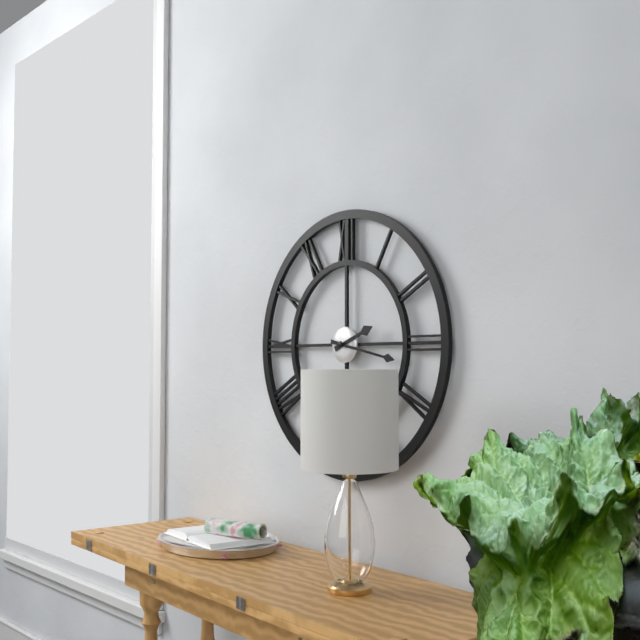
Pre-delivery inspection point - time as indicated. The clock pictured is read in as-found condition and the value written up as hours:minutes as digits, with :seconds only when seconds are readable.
2:17
